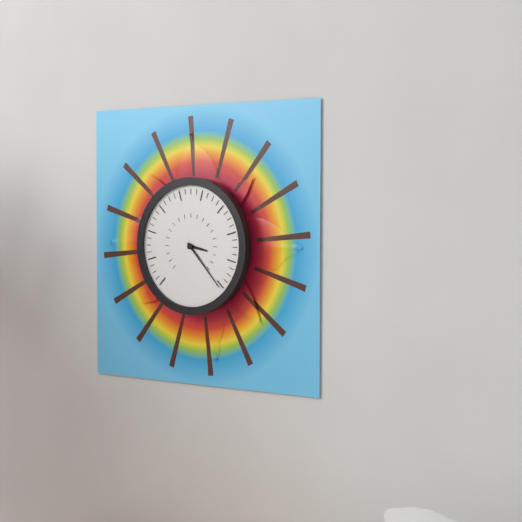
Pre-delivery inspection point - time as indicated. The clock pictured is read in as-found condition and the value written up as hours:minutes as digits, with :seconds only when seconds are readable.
3:23
